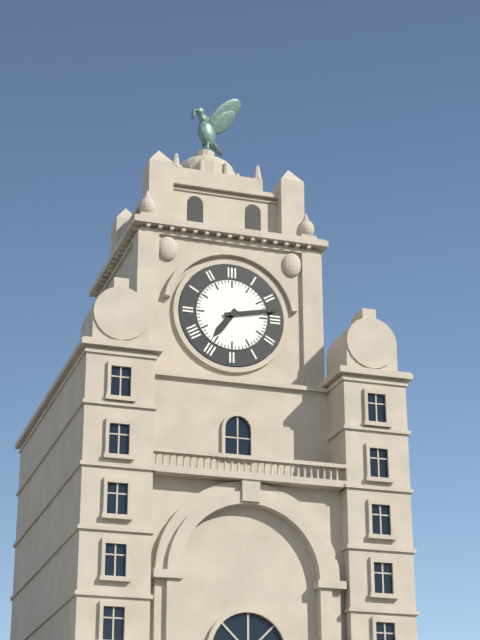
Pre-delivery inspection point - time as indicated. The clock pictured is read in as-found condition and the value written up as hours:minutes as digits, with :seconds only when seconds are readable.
7:13
